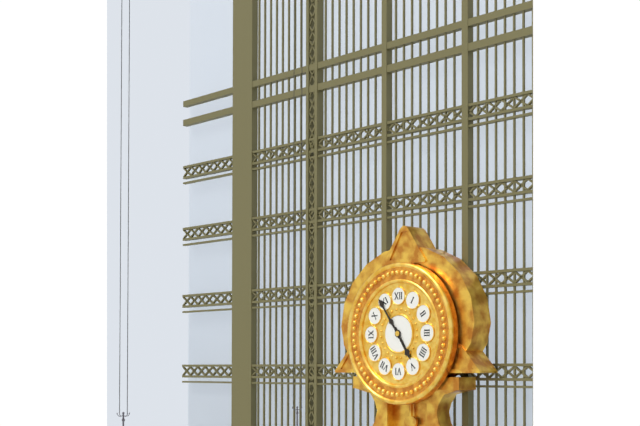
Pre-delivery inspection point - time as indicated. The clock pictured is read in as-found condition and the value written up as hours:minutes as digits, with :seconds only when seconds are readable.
4:54
